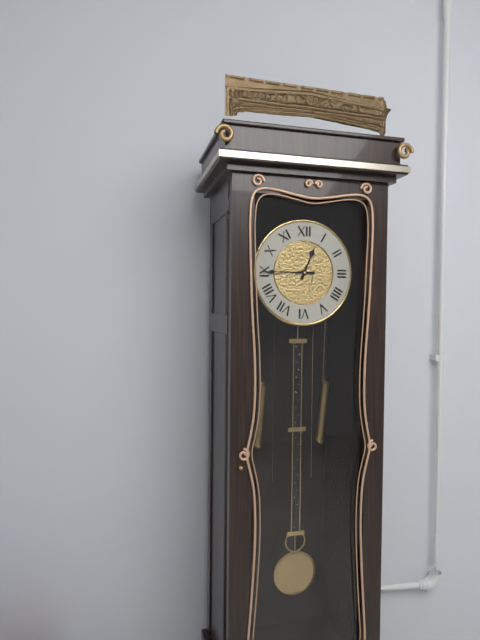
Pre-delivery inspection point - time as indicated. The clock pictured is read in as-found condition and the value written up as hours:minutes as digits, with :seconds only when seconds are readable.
12:45
